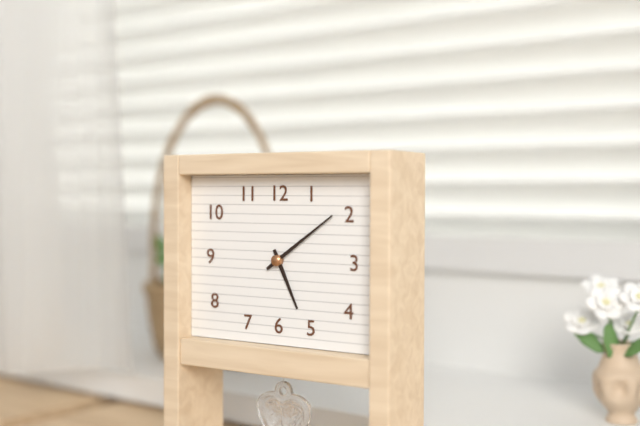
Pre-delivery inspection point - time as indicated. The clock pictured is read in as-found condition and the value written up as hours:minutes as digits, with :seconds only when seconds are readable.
5:09
